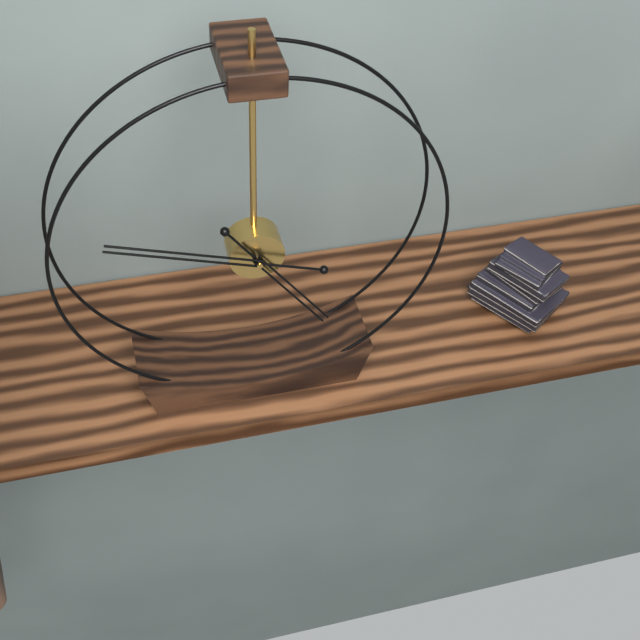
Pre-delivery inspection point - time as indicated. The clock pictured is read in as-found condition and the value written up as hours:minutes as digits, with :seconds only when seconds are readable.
4:48
